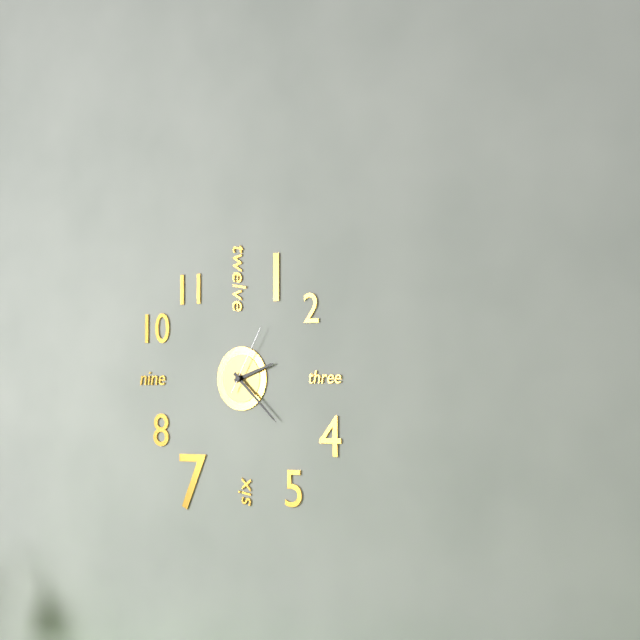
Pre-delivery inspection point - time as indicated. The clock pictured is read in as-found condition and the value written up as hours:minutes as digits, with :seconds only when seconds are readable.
2:22:05
